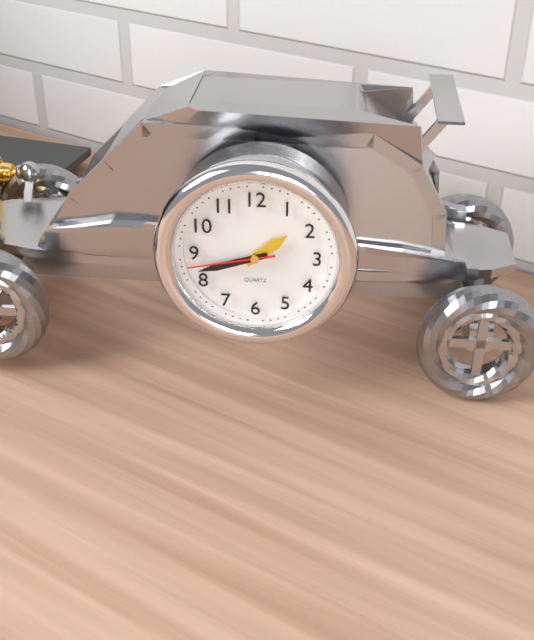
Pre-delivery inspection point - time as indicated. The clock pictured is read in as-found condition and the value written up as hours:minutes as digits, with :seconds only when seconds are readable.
1:42:43
